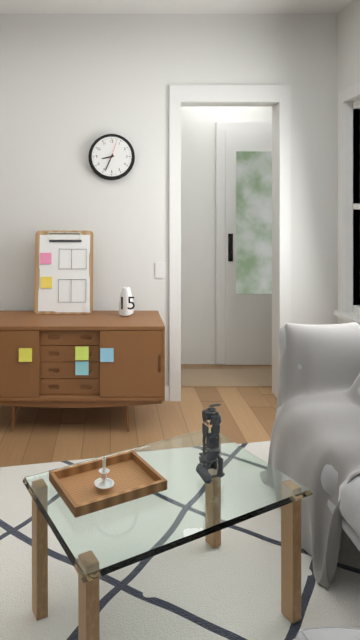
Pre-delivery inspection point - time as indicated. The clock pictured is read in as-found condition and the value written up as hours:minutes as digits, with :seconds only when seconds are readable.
8:34
